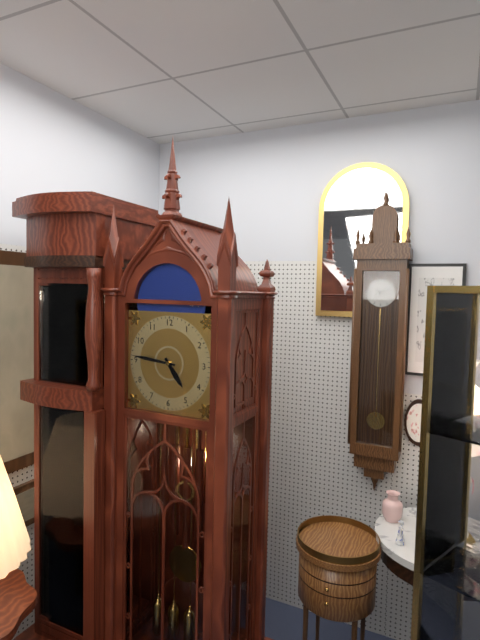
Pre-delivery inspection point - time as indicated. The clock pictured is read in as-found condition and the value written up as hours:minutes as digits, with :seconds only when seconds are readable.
4:46
